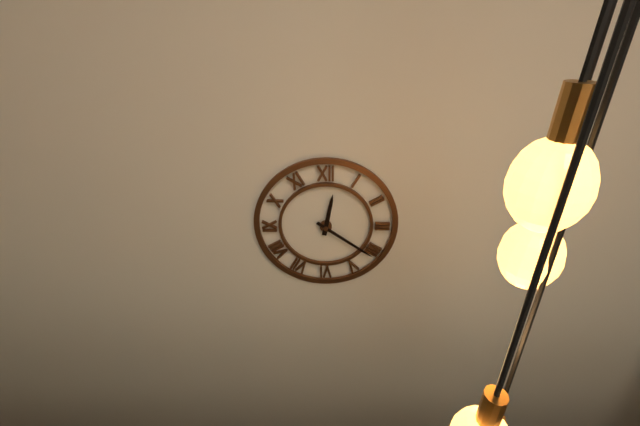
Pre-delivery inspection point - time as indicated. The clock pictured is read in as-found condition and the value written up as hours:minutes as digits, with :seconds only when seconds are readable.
12:21
